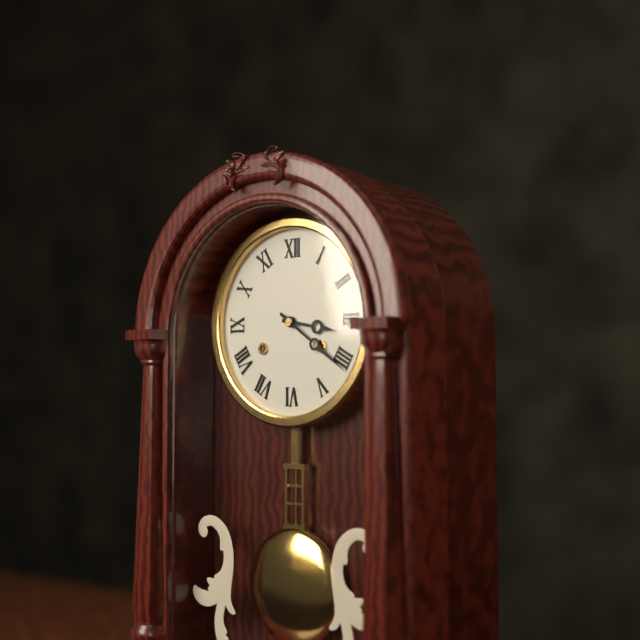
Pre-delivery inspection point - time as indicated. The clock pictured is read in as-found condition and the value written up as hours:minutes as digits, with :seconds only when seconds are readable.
3:21
